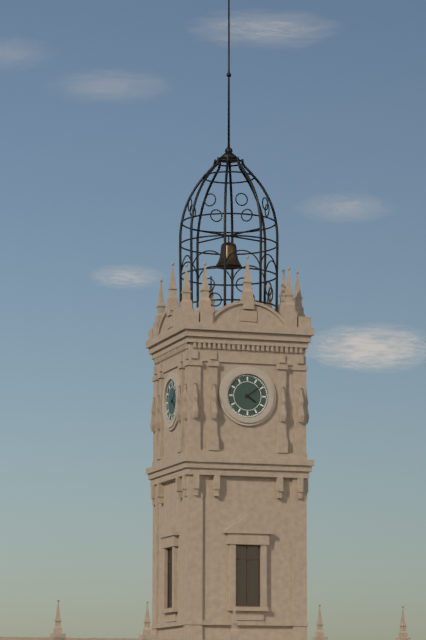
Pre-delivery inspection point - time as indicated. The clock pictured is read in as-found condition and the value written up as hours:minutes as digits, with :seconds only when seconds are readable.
4:09
